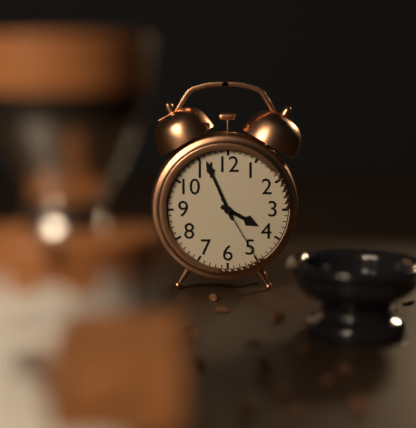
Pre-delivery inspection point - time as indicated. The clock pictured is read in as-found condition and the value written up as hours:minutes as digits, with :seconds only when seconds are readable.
3:56:25
